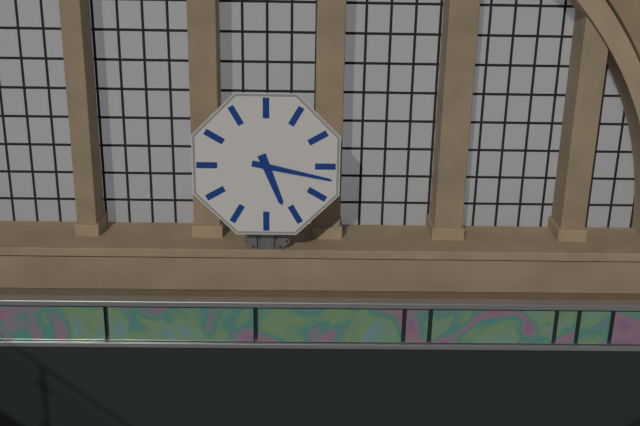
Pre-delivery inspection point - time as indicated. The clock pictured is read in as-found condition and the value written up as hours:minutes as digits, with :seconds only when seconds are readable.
5:17
